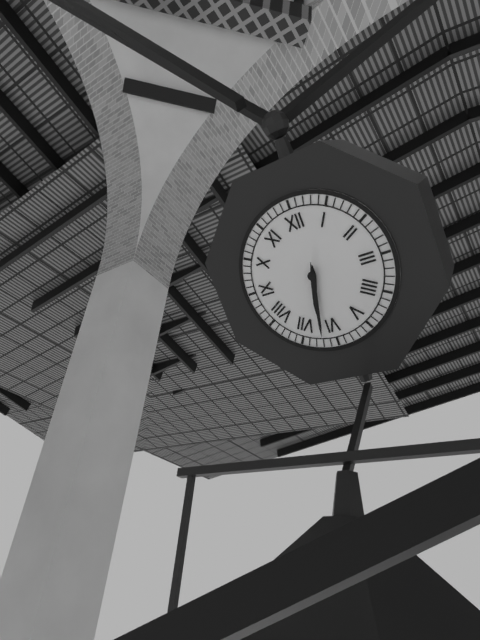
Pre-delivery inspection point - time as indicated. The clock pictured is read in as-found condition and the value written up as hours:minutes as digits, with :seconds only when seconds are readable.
6:32
